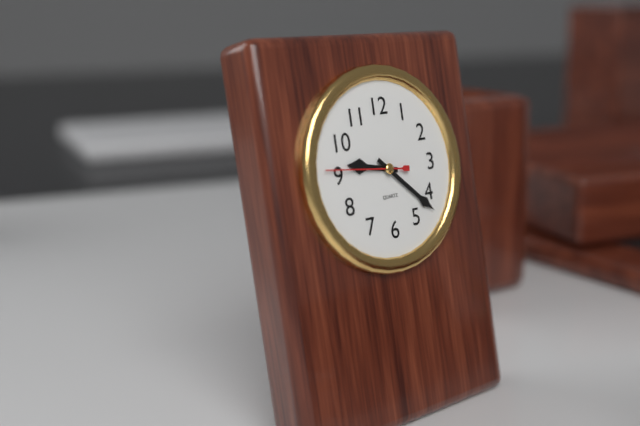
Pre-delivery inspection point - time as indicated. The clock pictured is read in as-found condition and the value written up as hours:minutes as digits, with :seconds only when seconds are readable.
9:22:46
